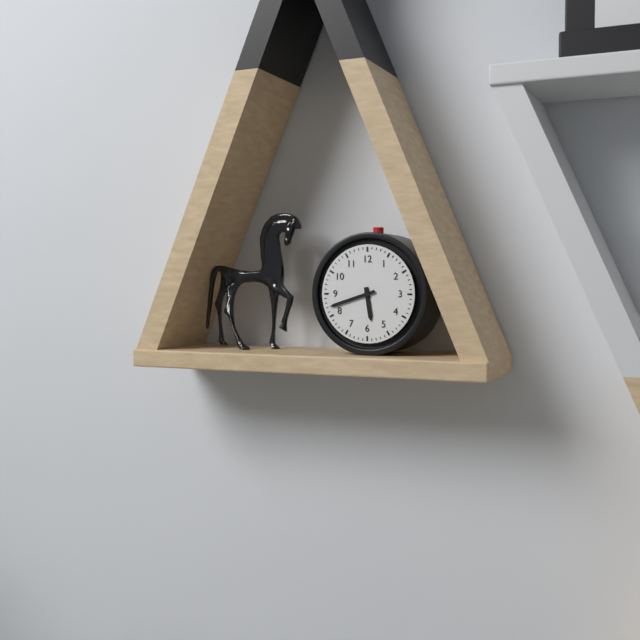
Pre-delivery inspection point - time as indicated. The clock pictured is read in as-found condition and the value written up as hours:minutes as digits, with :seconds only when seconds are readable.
5:42
